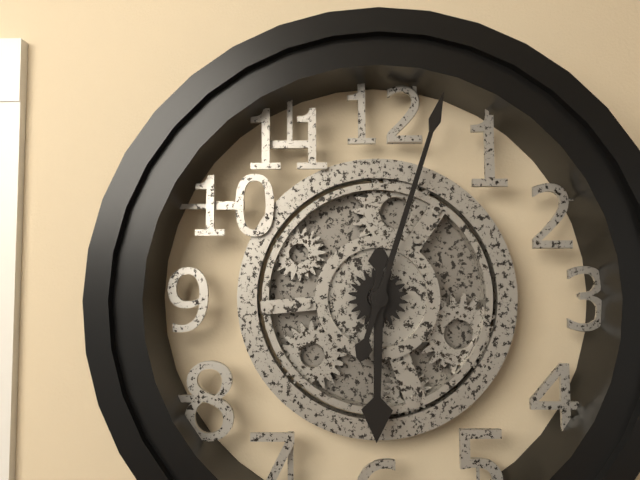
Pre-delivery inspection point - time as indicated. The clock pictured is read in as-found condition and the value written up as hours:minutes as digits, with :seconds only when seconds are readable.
6:03
